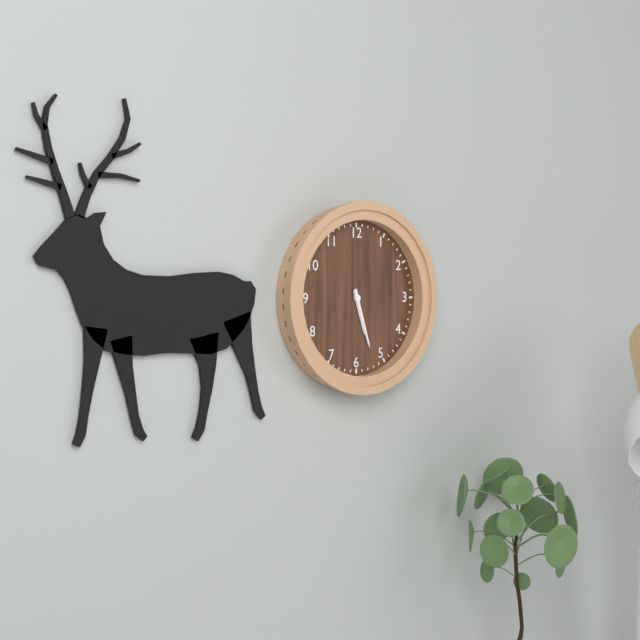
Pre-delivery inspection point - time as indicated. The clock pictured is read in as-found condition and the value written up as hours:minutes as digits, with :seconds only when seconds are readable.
5:27
